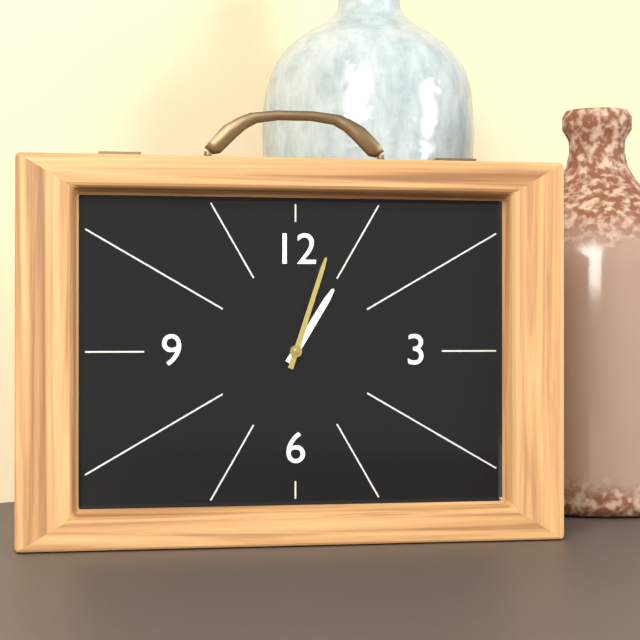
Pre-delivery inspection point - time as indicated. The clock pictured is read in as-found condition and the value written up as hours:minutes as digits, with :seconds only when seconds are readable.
1:03
